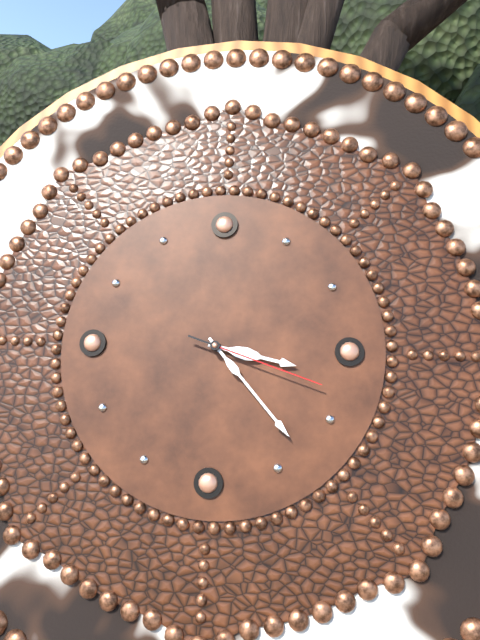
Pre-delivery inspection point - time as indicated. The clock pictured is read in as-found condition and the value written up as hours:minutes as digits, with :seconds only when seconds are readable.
3:23:18
